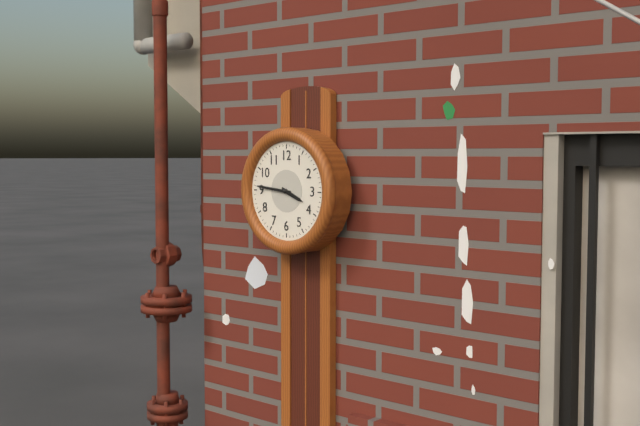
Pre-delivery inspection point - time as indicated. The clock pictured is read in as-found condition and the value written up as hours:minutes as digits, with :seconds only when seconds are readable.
3:46
